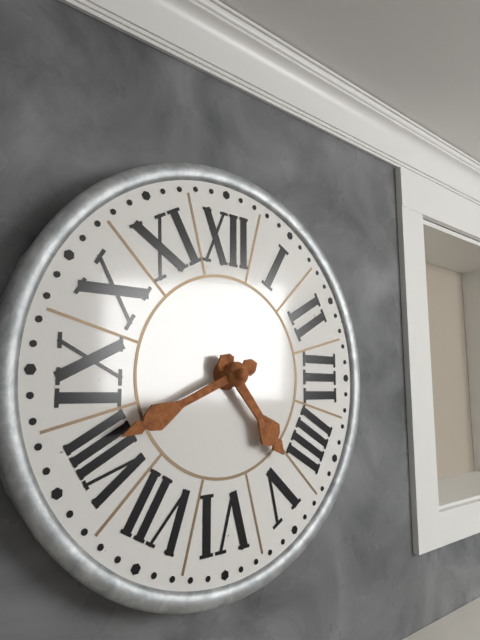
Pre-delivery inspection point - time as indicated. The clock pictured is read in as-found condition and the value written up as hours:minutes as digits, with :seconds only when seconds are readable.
4:41
